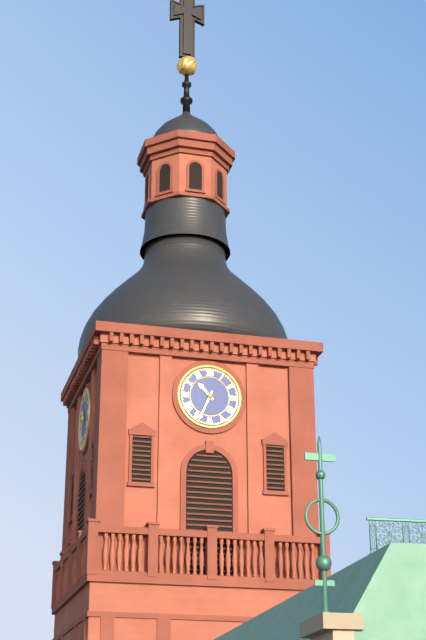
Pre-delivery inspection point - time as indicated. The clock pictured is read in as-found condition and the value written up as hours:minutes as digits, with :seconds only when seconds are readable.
10:34
